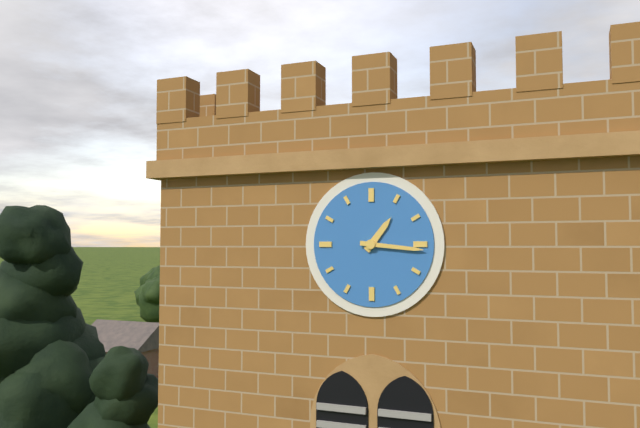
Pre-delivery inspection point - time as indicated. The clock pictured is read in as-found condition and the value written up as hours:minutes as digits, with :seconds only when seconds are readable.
1:16
